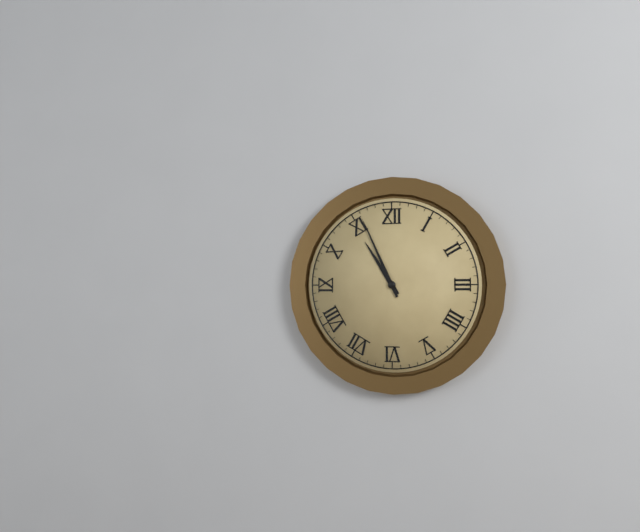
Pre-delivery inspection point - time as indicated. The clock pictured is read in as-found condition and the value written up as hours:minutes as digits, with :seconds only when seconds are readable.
10:56
